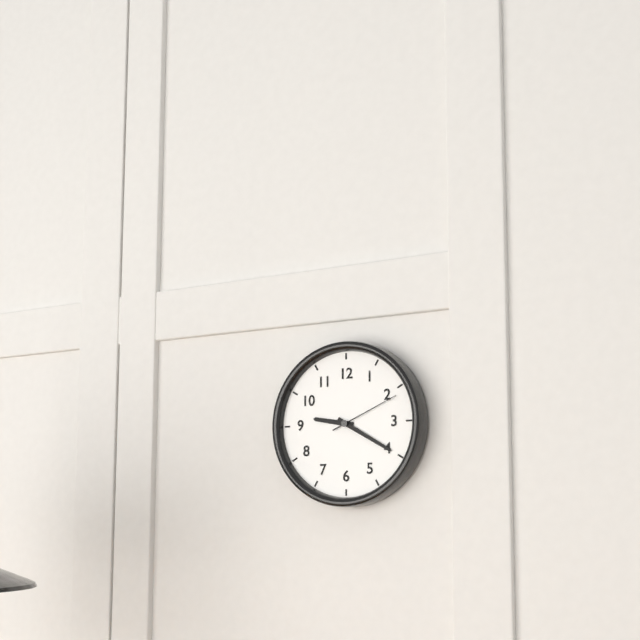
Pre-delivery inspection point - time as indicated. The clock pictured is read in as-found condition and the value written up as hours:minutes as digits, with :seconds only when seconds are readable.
9:20:11
